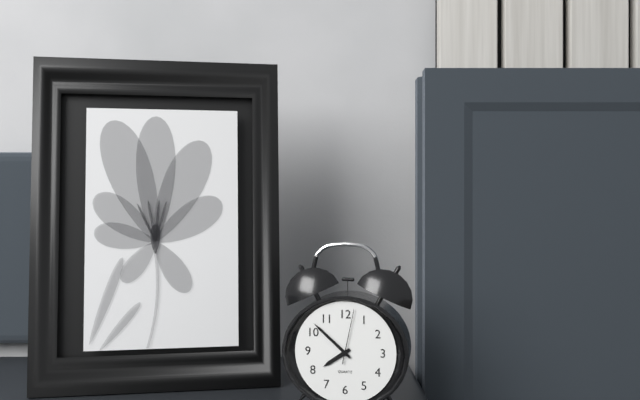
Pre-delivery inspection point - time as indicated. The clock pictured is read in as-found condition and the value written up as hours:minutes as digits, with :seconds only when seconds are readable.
7:52:02
